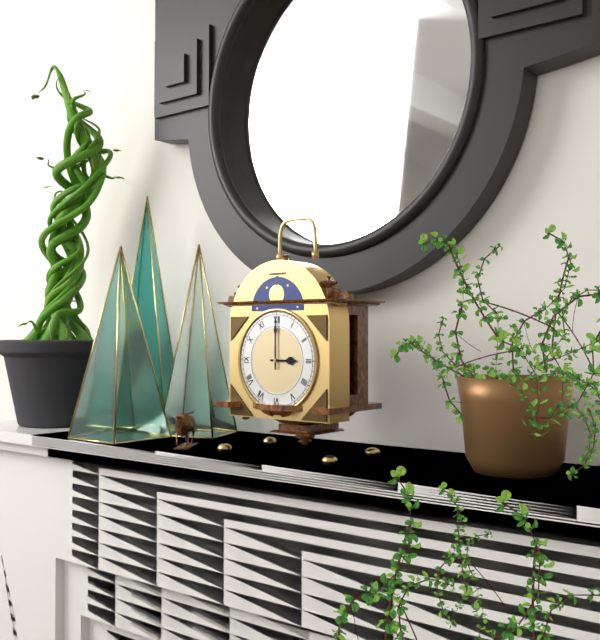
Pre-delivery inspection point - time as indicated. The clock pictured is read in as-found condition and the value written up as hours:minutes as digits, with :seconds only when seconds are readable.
3:00
